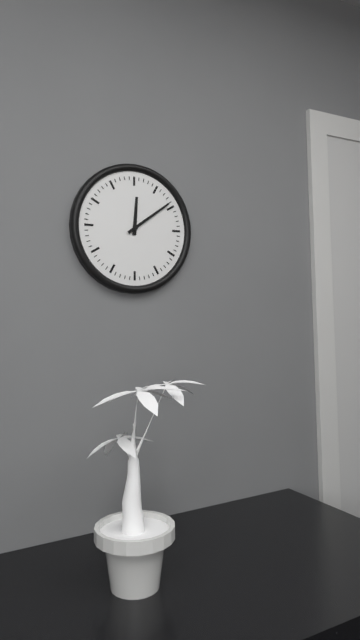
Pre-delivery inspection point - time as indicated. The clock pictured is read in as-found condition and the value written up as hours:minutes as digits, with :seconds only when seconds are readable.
12:09
